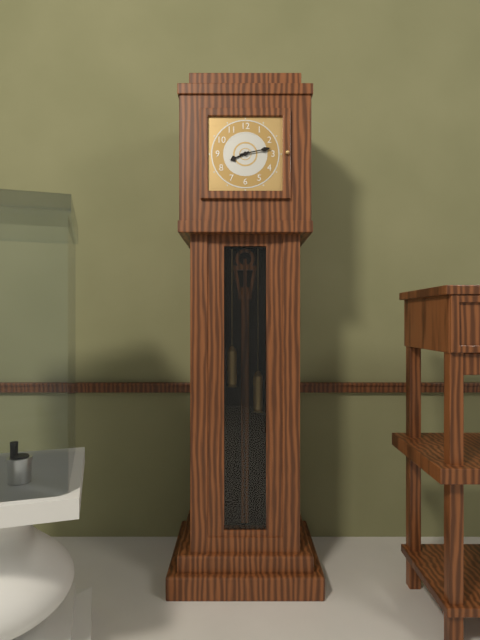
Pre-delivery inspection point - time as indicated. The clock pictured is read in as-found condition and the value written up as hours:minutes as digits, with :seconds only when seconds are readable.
8:13
